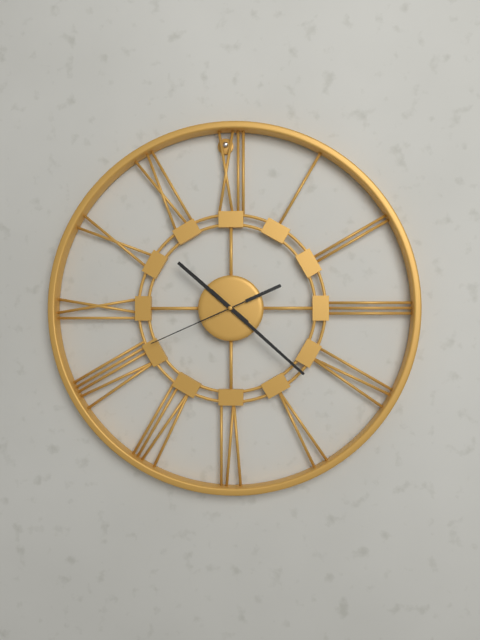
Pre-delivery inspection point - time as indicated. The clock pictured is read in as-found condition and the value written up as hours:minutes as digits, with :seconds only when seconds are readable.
10:22:41
